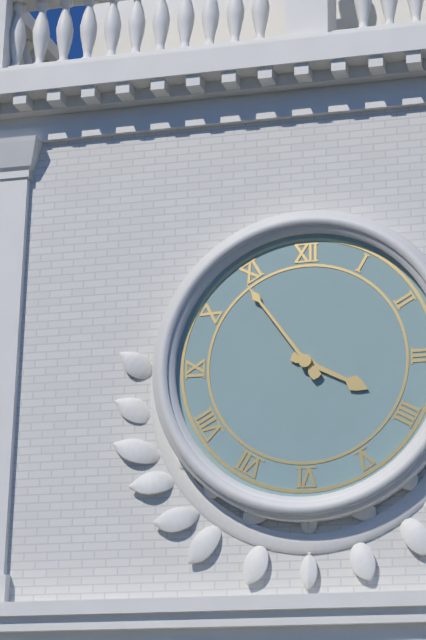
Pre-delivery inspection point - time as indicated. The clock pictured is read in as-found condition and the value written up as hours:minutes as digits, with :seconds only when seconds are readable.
3:54
